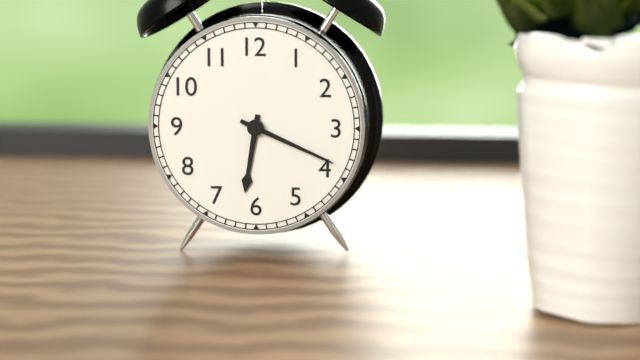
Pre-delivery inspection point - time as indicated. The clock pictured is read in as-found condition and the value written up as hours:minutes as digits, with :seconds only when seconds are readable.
6:19
